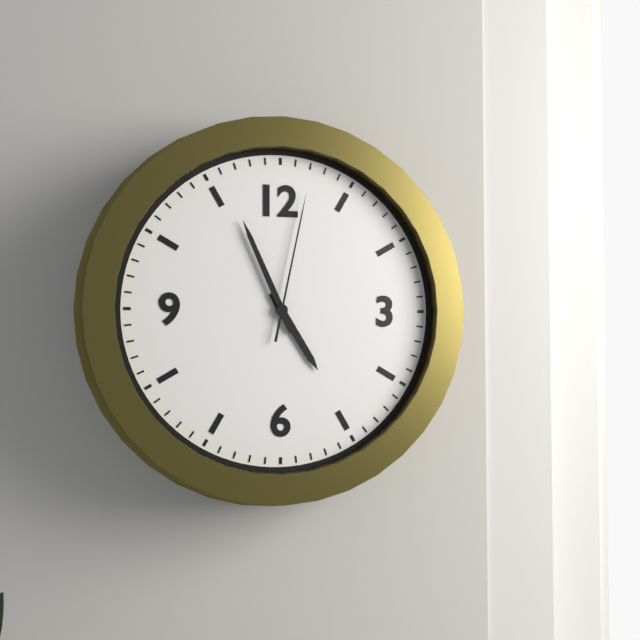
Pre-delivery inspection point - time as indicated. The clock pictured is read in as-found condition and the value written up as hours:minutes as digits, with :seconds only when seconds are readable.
4:56:02
